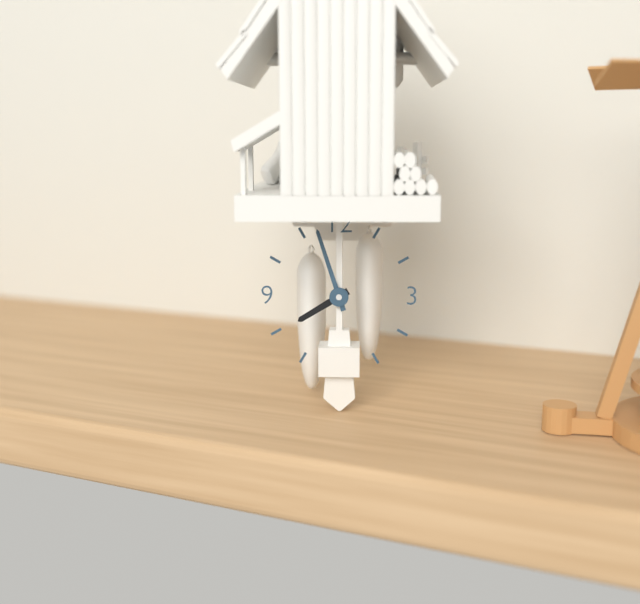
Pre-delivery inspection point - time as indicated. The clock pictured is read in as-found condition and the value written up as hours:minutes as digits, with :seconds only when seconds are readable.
7:57
